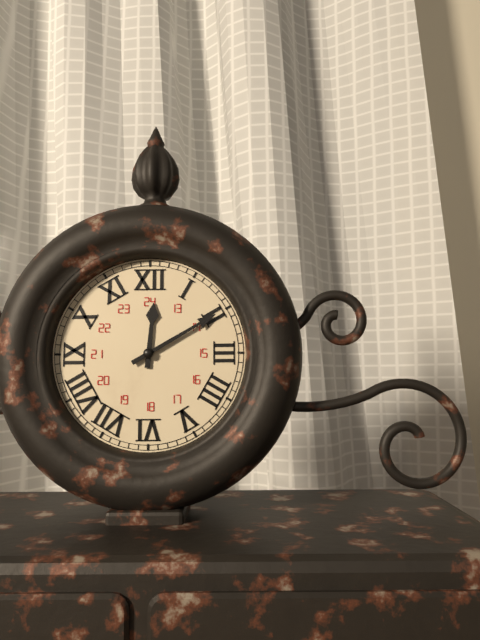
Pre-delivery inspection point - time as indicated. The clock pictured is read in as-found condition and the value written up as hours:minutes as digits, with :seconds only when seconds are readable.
12:10
